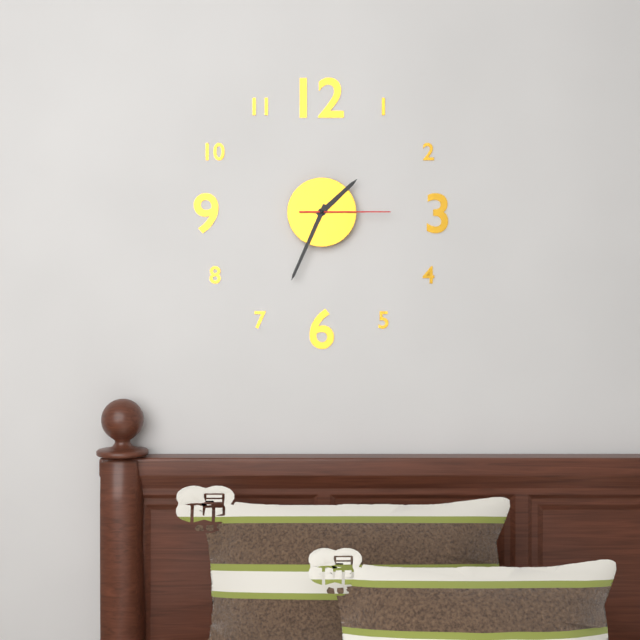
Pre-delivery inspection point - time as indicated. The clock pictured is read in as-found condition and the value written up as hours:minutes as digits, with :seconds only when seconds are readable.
1:34:15
